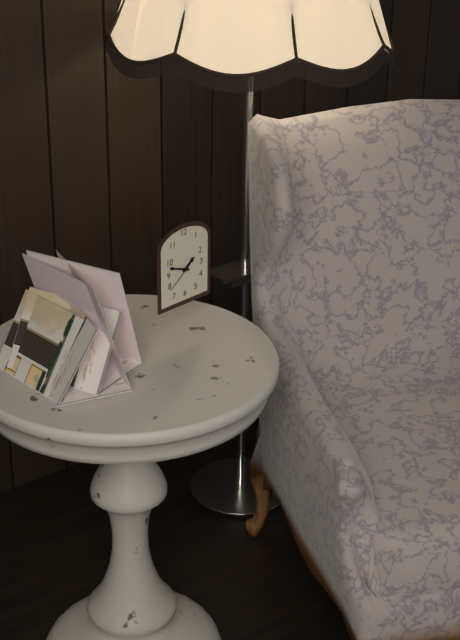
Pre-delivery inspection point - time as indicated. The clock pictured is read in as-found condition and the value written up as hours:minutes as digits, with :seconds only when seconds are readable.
1:48
